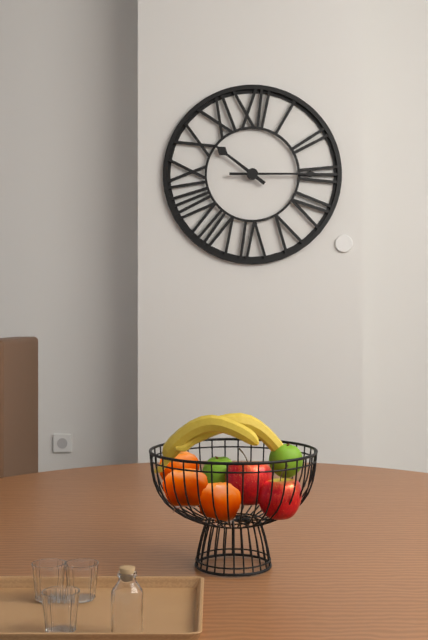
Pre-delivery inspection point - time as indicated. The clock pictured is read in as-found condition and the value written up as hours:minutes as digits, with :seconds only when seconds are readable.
10:15
